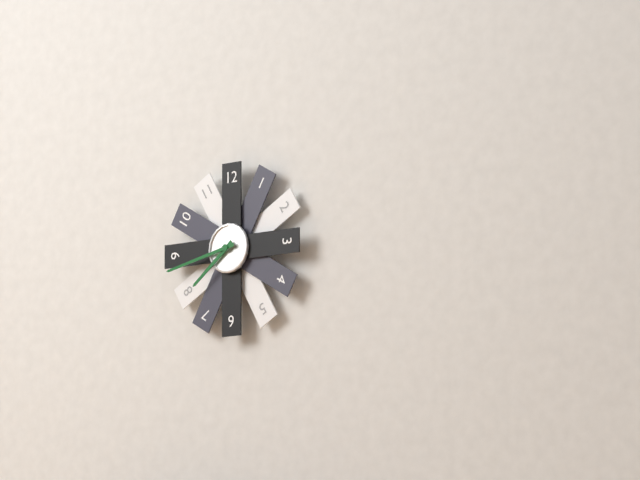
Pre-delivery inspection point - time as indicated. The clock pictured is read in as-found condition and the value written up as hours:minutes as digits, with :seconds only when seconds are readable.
7:43
